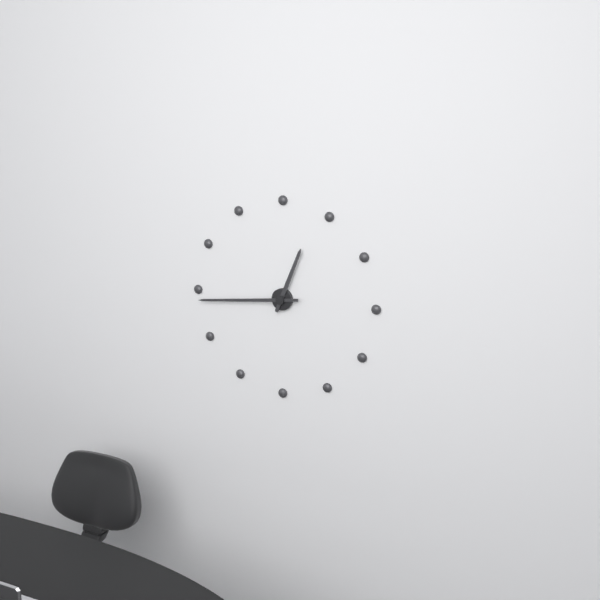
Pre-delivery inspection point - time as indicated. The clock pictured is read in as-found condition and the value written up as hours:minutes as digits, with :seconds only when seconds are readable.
12:44
